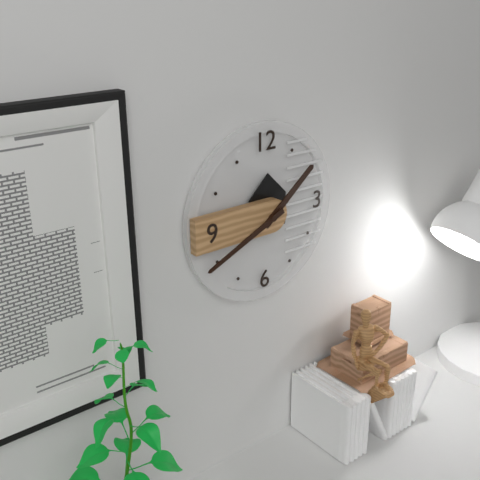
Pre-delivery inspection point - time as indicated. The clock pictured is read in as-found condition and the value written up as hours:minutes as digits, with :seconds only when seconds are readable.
1:41
